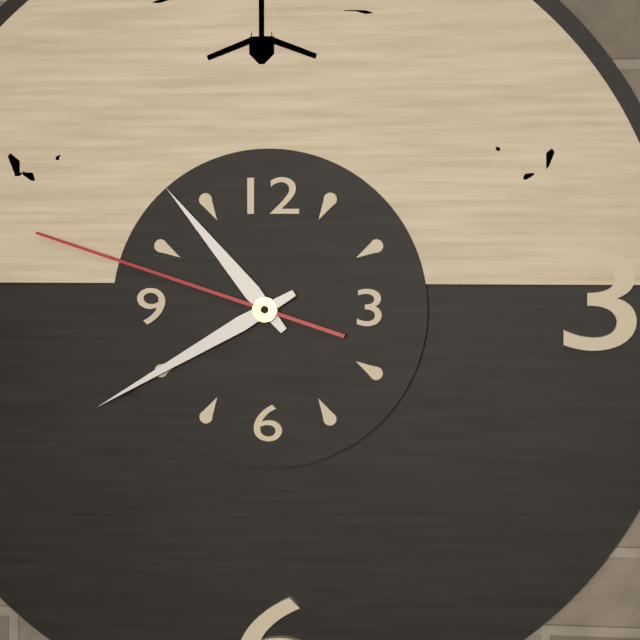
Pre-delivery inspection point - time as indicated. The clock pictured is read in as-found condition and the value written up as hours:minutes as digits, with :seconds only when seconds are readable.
10:40:48
